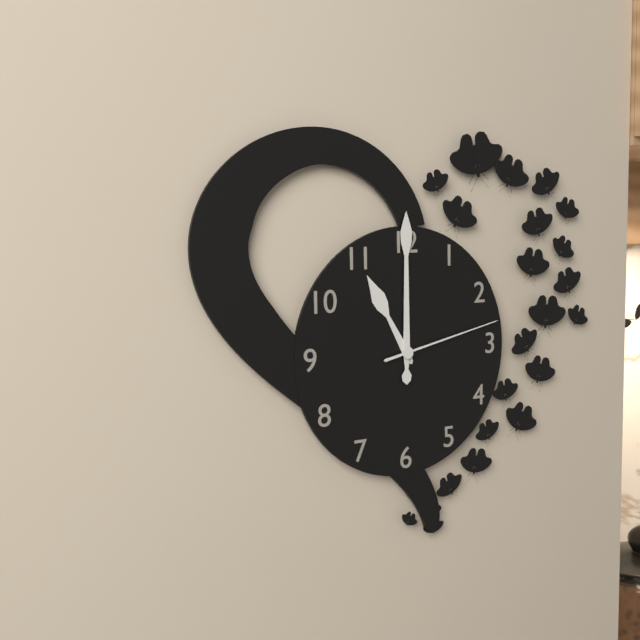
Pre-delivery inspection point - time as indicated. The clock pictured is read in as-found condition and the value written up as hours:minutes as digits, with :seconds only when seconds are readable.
11:00:13
